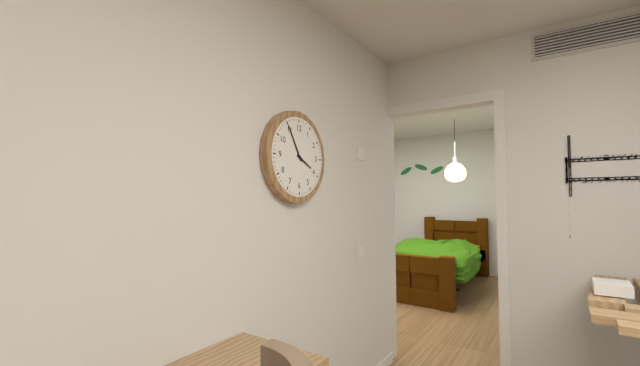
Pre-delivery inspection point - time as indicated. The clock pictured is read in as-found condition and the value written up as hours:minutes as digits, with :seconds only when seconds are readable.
3:55
